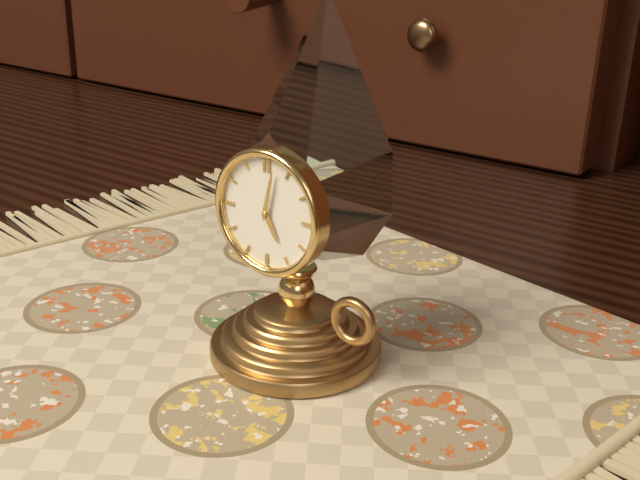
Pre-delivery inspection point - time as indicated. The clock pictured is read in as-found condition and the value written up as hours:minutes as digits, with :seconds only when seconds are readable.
5:02
